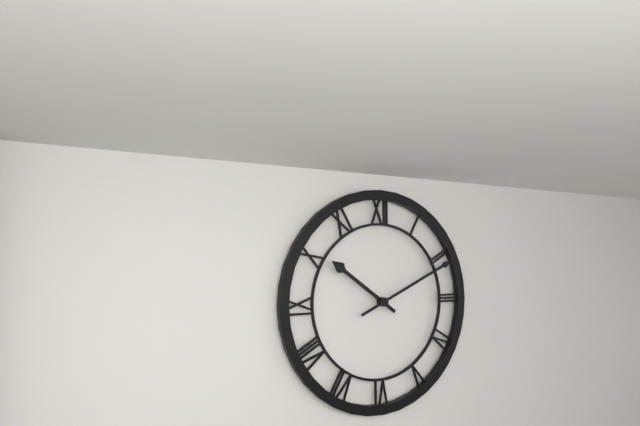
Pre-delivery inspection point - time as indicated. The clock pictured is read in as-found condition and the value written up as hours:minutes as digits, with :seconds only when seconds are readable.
10:11
